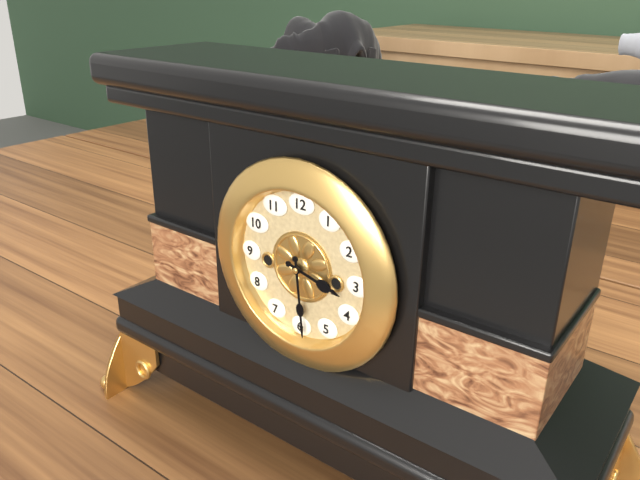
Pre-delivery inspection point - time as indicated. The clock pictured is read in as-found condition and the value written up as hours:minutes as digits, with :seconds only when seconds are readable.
3:29
